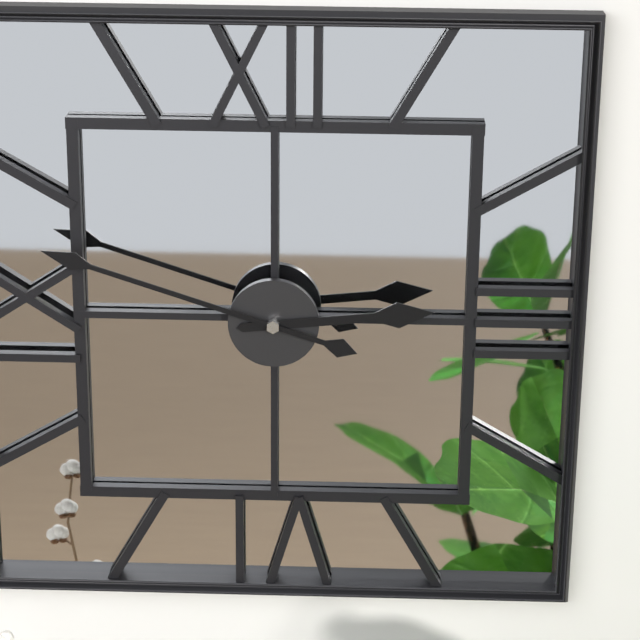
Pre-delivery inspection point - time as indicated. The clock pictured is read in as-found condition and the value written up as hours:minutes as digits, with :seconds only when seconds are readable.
2:48
